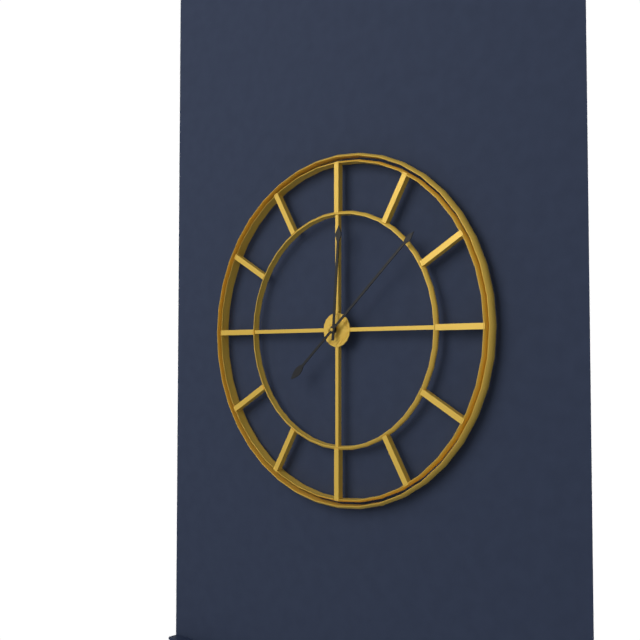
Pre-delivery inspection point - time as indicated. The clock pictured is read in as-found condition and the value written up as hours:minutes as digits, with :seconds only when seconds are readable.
12:08
